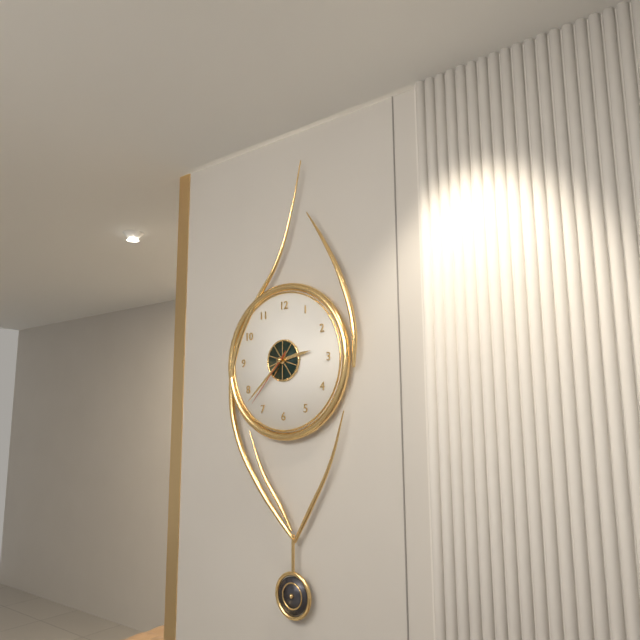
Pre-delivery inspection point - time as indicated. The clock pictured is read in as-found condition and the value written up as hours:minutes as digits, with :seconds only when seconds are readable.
2:38:37
